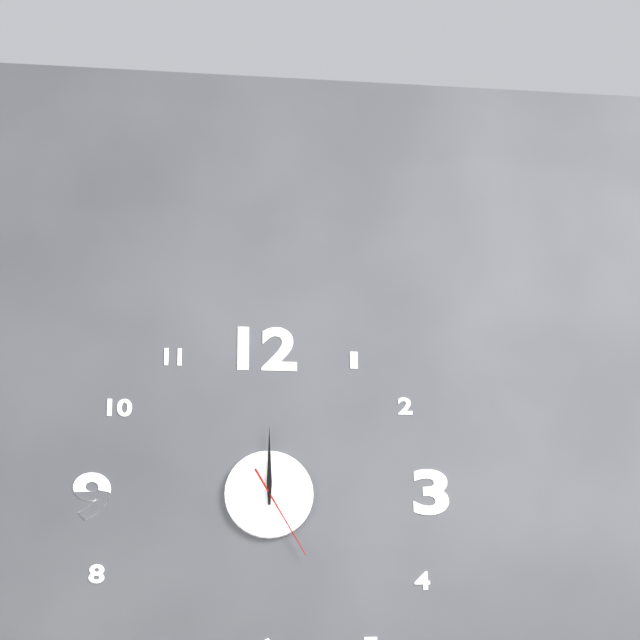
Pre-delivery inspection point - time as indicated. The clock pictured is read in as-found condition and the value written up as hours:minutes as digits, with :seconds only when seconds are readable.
12:00:25
